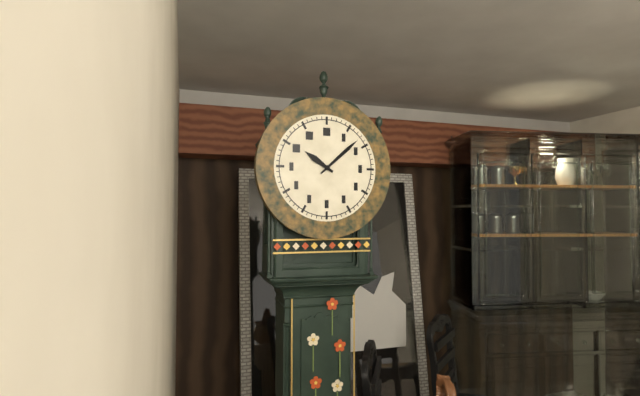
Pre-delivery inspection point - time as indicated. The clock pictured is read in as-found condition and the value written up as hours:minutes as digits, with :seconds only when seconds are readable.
10:08
